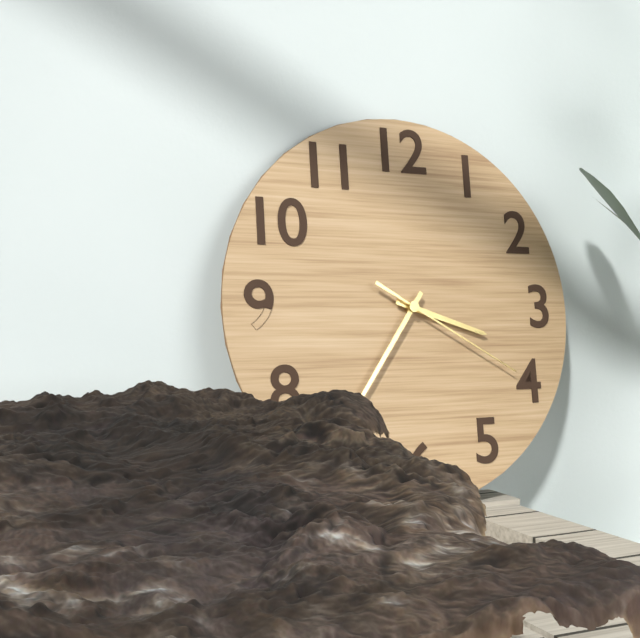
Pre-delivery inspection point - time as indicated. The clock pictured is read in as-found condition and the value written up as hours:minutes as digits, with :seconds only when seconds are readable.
3:36:20
